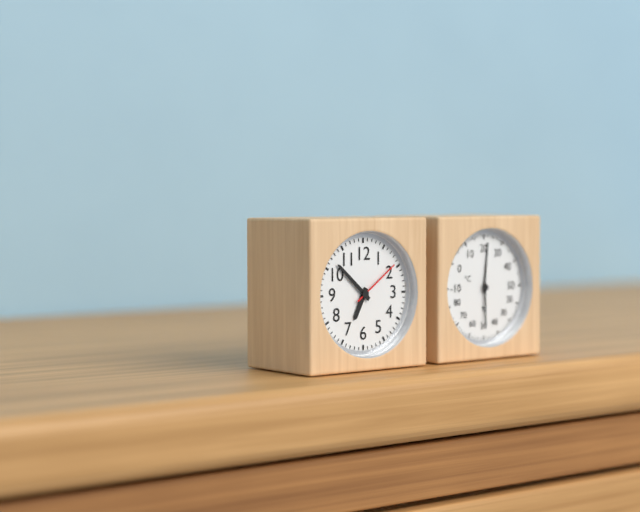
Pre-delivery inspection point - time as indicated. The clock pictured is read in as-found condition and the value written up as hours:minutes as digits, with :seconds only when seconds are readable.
6:52
